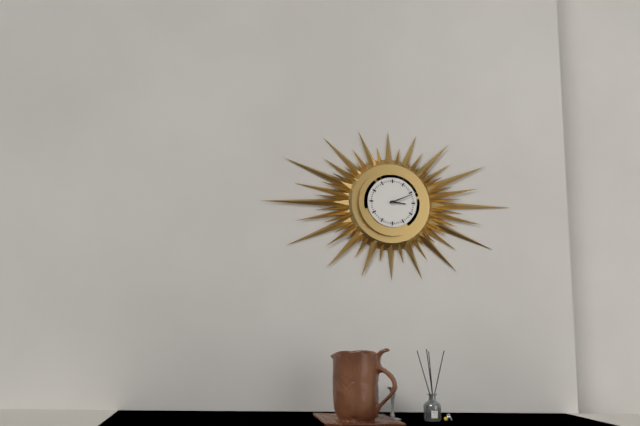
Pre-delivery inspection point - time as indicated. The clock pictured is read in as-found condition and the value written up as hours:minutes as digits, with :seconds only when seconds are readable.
3:11
